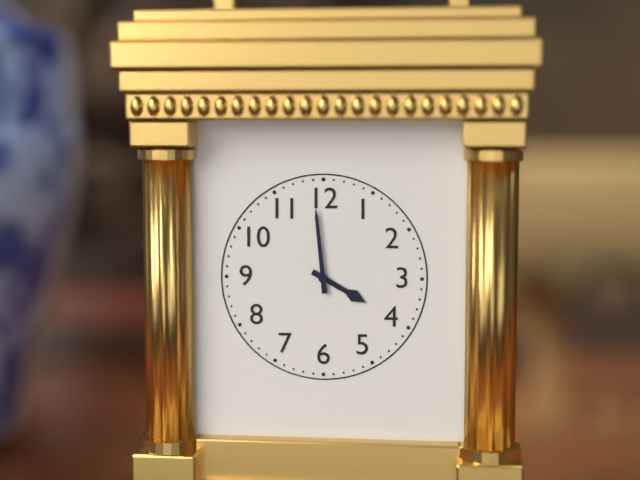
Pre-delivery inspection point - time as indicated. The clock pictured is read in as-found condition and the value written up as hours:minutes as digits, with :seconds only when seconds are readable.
3:59
